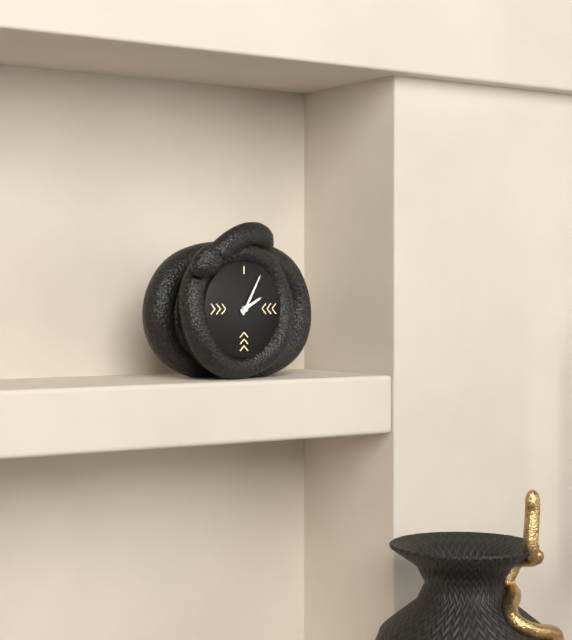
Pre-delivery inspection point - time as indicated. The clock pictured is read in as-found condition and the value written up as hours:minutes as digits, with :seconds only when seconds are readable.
2:05
